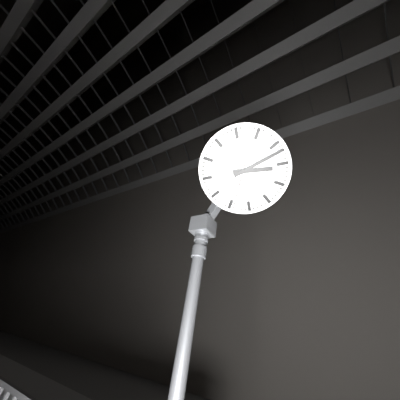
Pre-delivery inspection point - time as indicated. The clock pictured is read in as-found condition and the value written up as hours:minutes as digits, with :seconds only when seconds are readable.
3:12
